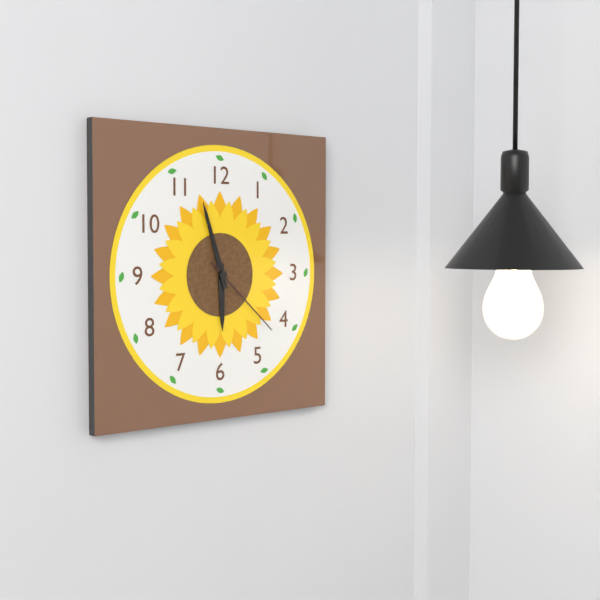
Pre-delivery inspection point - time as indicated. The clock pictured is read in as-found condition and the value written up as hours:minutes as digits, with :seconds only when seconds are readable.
5:57:22
